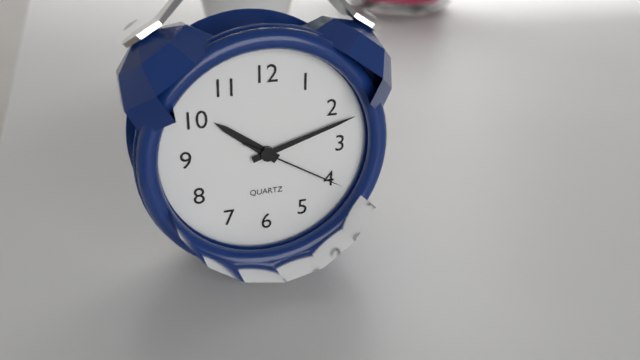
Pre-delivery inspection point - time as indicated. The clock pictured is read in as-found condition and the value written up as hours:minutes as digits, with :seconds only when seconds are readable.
10:12:20
